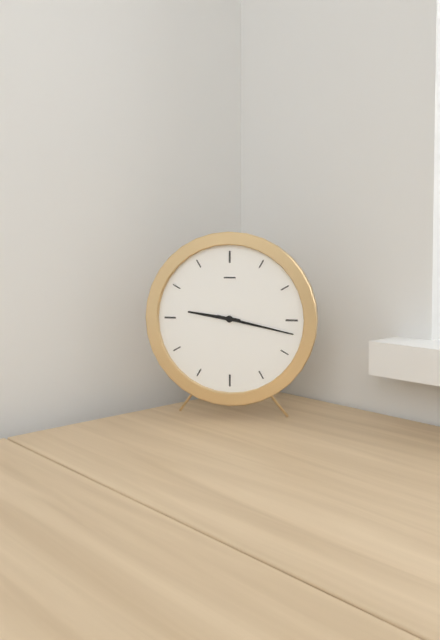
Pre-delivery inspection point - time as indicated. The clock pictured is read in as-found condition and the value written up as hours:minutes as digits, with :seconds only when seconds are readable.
9:17
